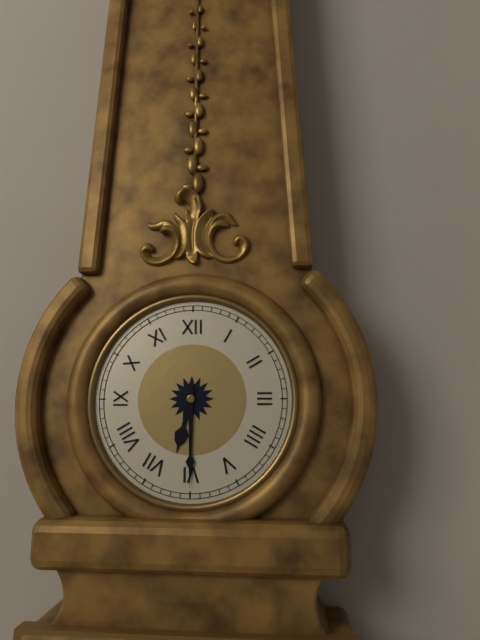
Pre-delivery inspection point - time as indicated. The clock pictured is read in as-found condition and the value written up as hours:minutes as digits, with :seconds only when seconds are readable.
6:30
